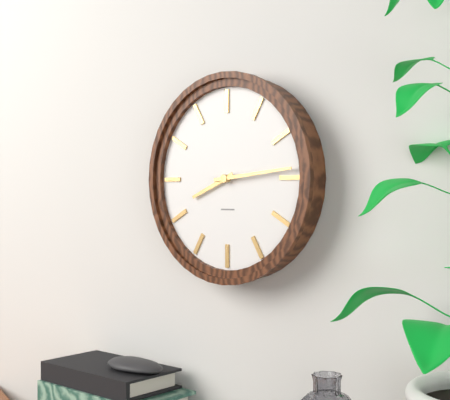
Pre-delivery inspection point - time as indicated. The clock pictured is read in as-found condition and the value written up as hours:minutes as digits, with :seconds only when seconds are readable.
8:14
